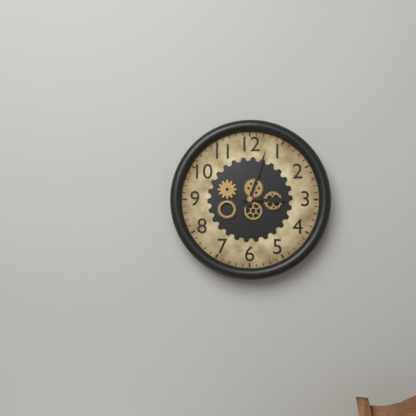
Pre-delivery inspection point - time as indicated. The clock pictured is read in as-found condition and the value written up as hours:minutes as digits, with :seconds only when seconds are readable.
3:03
